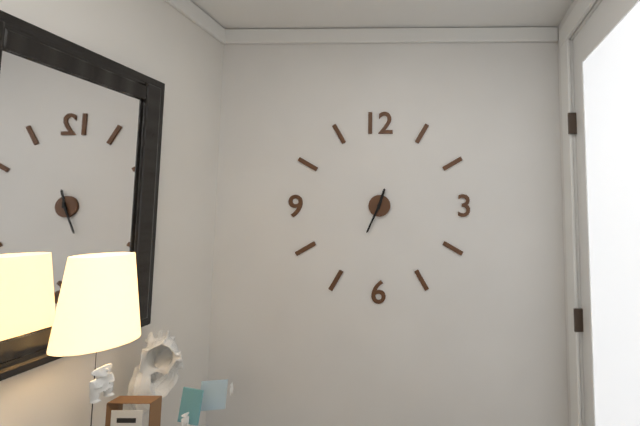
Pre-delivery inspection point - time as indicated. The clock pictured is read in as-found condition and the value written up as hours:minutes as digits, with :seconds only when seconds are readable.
12:34
